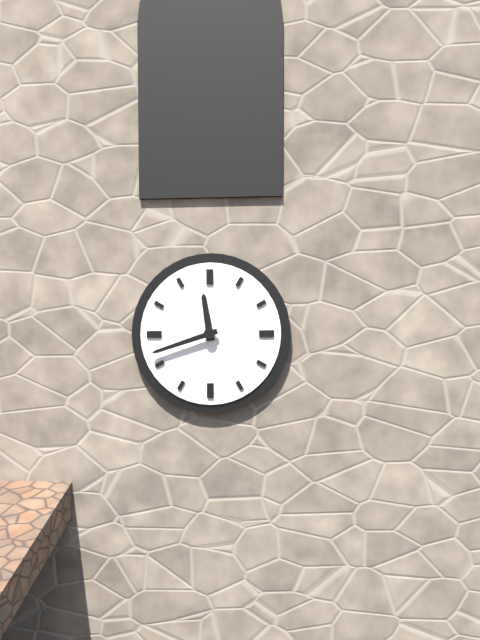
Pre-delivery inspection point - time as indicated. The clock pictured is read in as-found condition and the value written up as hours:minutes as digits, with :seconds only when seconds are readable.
11:42
